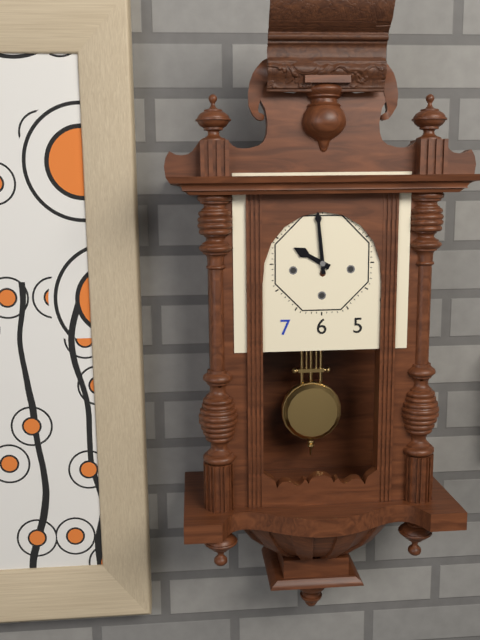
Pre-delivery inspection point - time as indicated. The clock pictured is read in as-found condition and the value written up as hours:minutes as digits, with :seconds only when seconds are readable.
9:59
